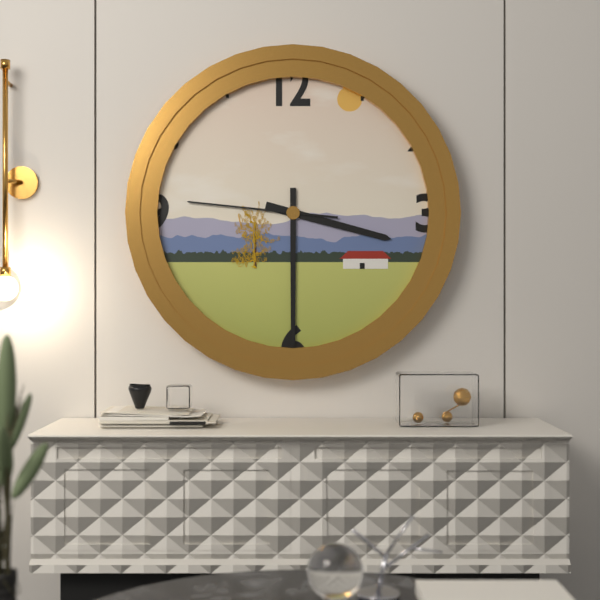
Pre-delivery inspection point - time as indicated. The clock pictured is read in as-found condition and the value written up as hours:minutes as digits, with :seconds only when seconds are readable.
3:30:46
